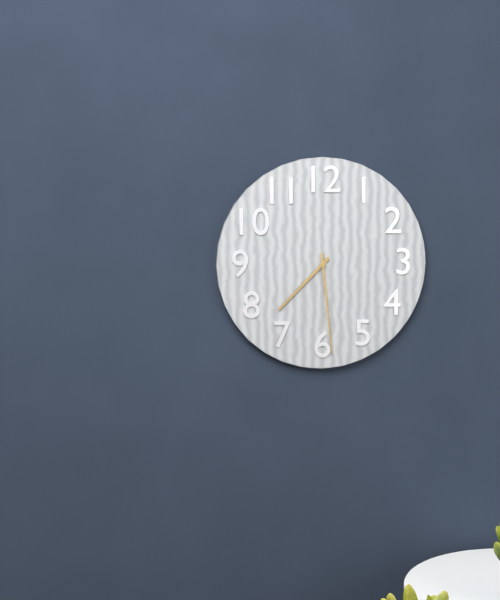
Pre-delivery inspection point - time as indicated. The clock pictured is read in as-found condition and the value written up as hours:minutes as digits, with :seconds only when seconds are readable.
7:29
